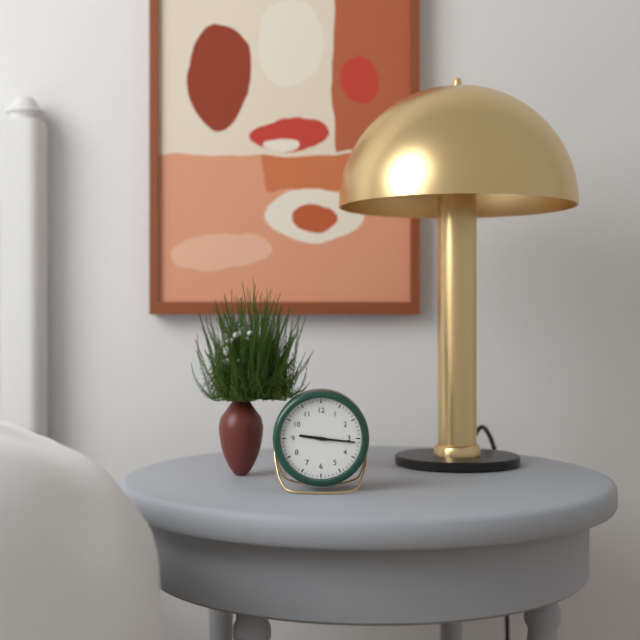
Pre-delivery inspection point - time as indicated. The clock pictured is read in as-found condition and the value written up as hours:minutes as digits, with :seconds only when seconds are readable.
9:16
